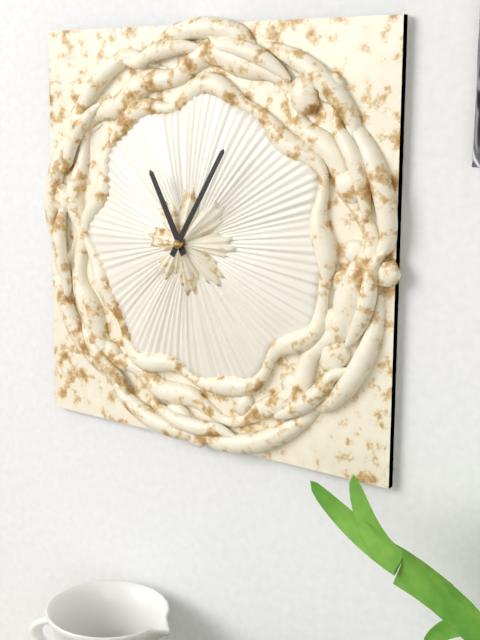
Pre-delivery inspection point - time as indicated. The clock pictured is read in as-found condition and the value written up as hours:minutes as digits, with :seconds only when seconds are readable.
11:05
